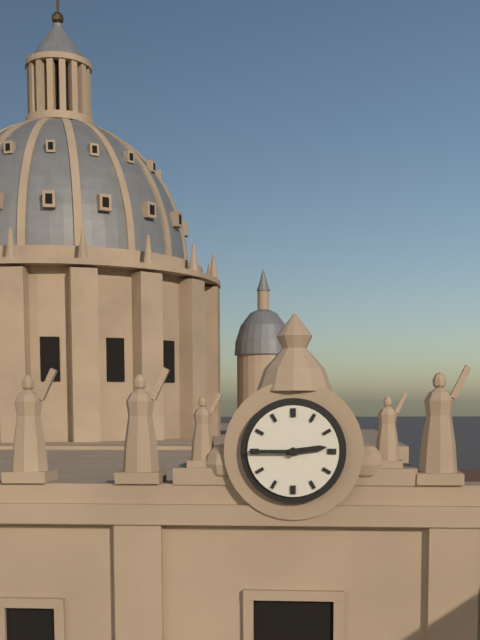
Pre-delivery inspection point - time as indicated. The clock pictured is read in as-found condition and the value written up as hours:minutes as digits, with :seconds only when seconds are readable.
2:45
